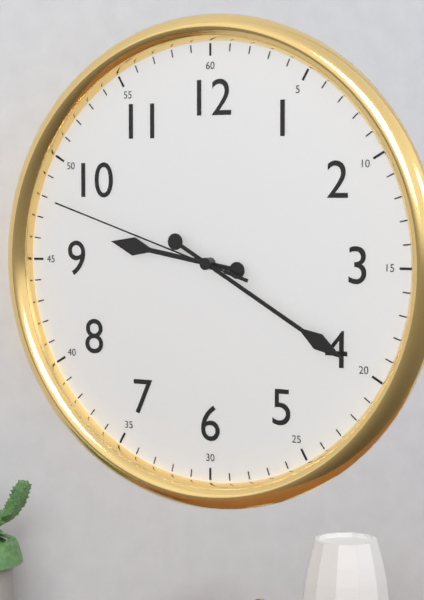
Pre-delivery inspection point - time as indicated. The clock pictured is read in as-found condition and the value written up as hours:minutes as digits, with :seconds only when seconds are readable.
9:20:48
